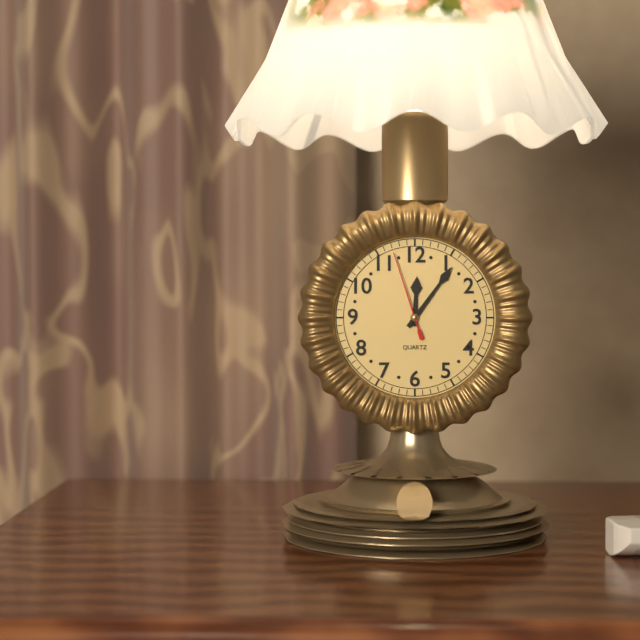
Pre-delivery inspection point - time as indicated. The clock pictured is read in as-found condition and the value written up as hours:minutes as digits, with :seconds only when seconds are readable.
12:06:57
